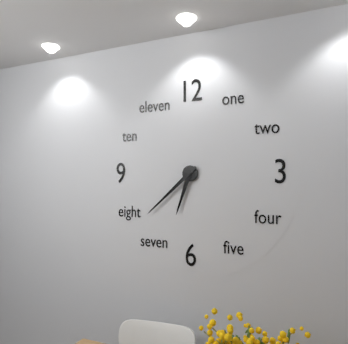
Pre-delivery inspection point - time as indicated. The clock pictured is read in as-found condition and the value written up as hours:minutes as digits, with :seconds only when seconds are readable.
6:38
